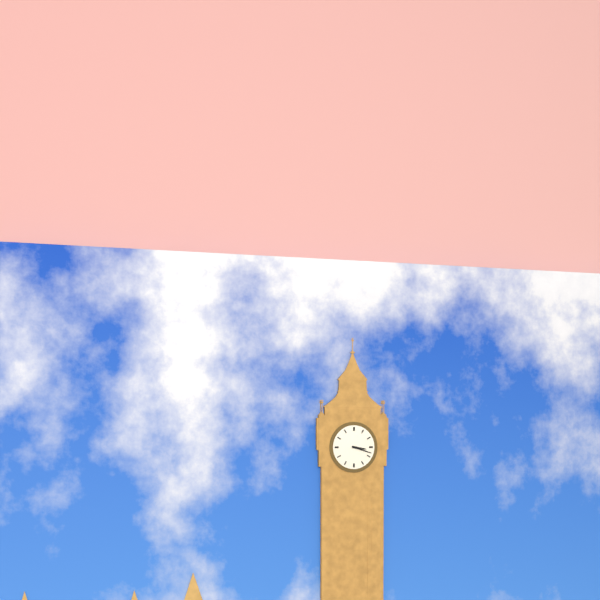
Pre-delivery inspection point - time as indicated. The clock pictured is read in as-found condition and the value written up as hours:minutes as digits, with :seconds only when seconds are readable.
3:18
